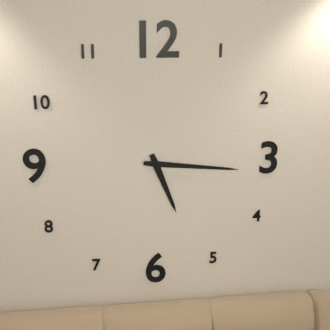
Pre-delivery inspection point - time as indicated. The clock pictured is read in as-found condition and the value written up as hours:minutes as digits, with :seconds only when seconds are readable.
5:16
